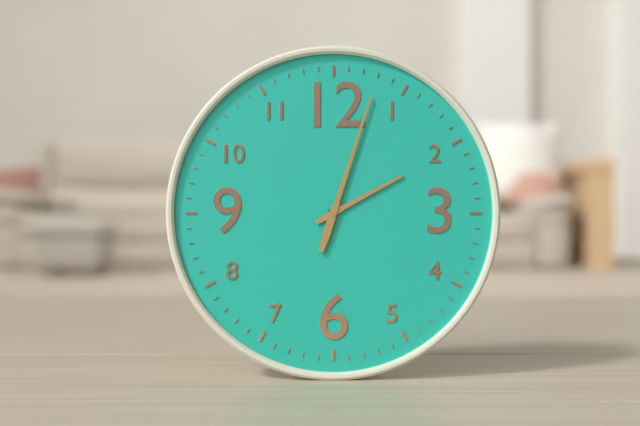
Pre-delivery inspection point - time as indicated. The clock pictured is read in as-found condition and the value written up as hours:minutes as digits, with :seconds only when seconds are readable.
2:03
